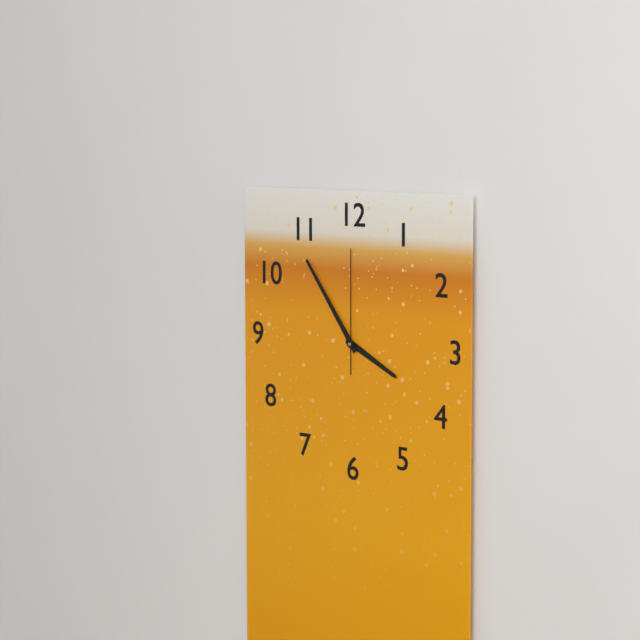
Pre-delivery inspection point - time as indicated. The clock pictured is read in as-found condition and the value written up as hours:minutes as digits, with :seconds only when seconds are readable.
3:54:00
